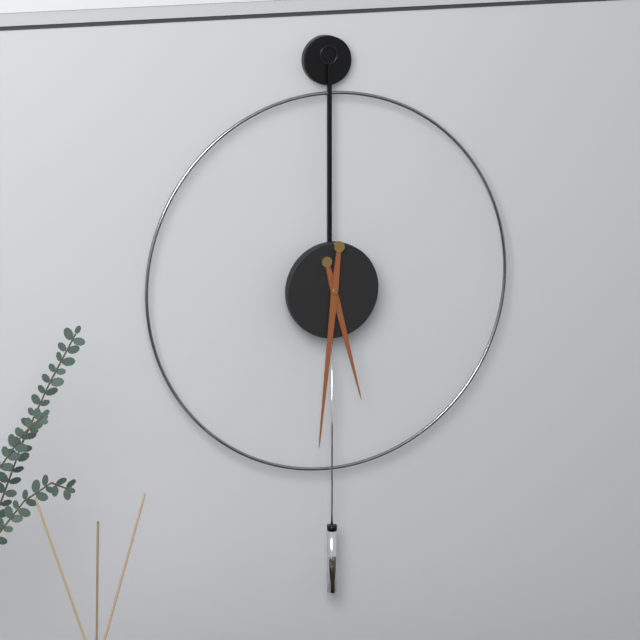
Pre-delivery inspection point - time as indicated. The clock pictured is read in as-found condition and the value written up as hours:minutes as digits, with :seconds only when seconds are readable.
5:31
